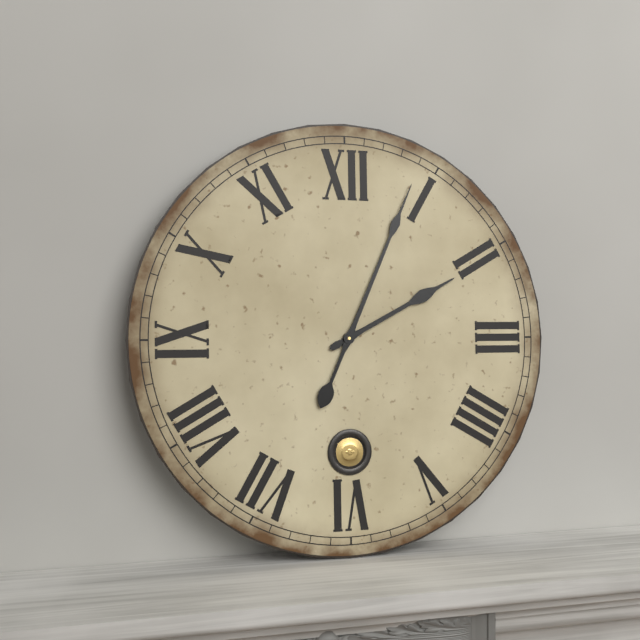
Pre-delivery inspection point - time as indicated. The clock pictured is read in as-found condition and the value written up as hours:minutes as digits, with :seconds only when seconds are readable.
2:04
